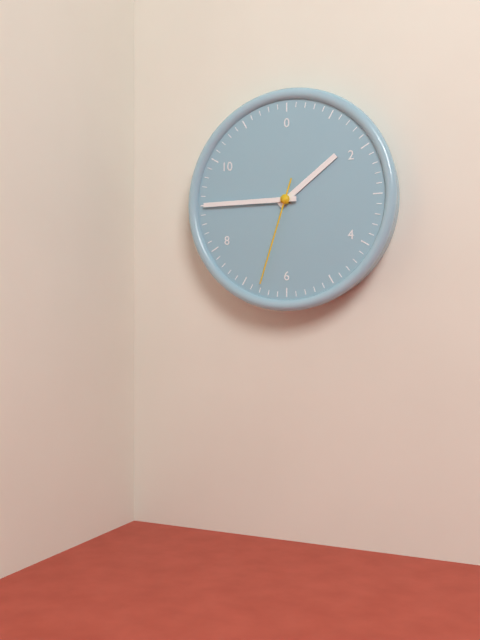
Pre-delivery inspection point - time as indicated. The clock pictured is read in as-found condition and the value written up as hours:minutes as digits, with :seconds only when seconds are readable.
1:45:33
